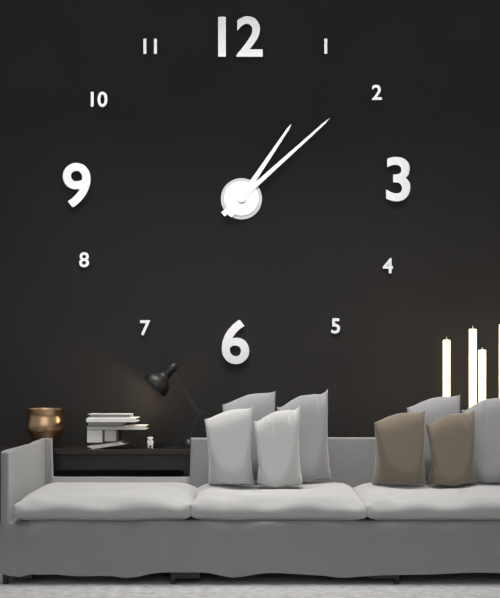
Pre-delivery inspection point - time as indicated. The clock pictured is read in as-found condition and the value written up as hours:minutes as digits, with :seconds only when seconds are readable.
1:08
